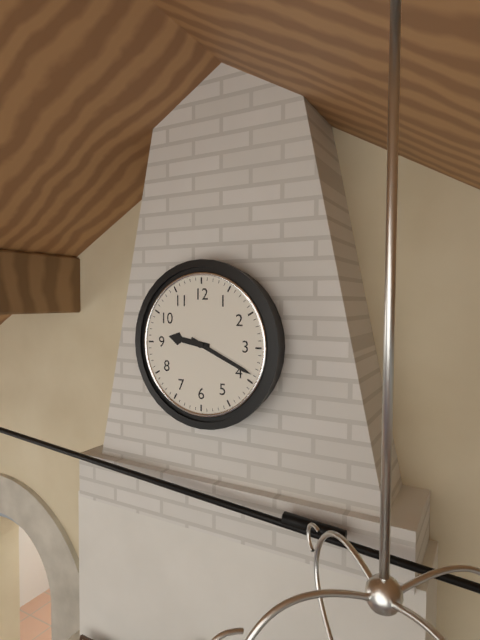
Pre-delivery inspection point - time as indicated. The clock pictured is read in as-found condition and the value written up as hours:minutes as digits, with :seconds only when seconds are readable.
9:19
